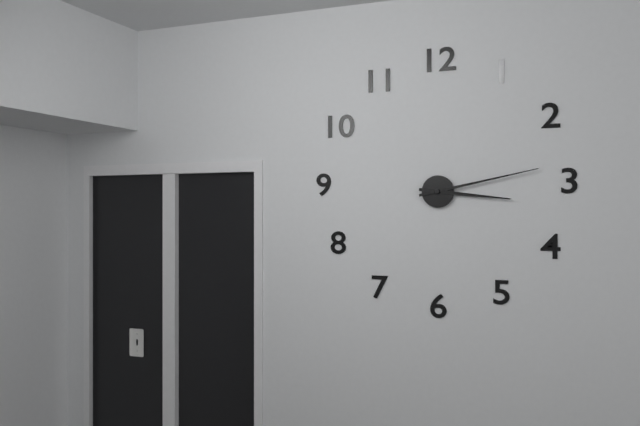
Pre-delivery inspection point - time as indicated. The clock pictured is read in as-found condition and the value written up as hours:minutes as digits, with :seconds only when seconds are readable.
3:13
